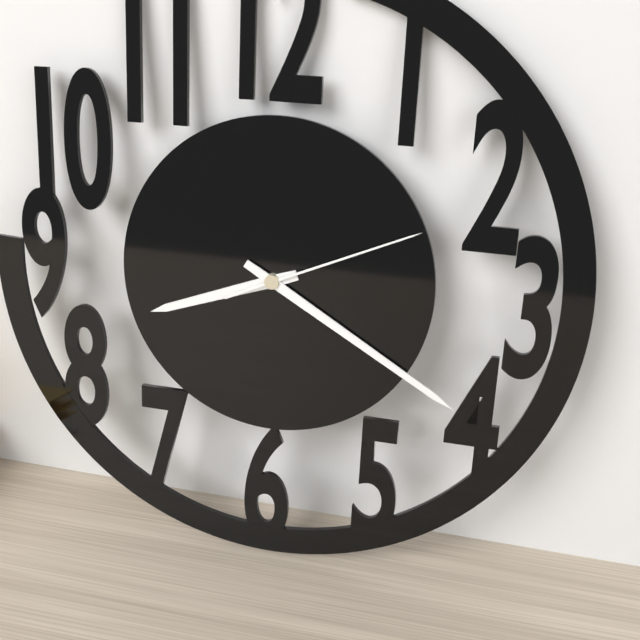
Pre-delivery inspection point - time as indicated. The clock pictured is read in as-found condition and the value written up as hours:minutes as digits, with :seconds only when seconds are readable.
8:20:11
